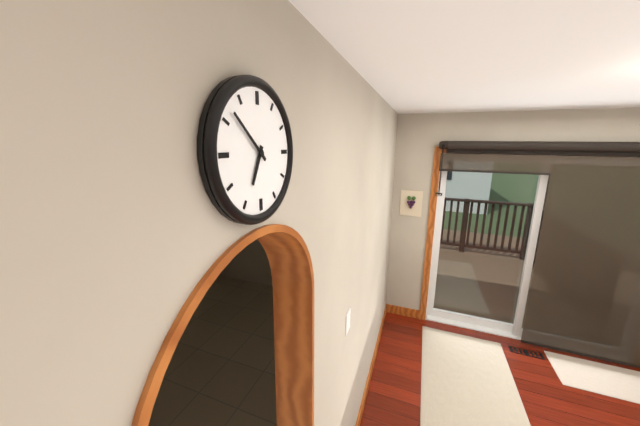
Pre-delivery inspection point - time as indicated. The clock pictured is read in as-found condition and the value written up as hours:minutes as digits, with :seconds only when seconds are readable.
6:52
